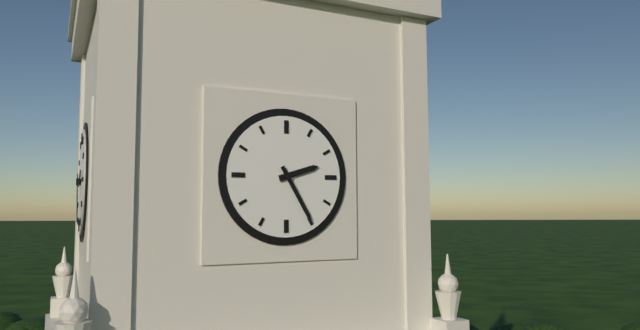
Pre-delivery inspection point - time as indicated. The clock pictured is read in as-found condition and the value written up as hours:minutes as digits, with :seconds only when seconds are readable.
2:25
